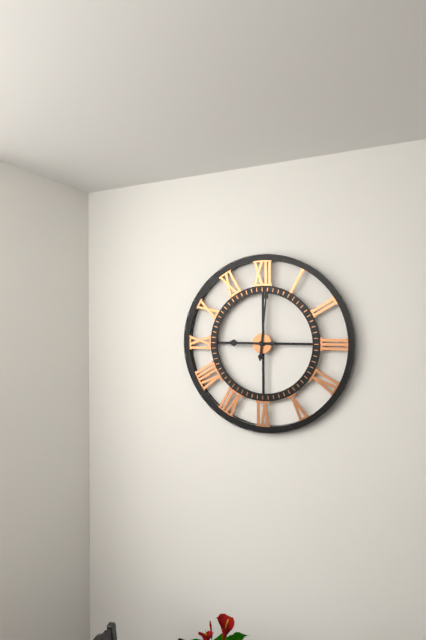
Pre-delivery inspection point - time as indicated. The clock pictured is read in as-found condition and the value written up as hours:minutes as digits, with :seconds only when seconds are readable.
9:01
